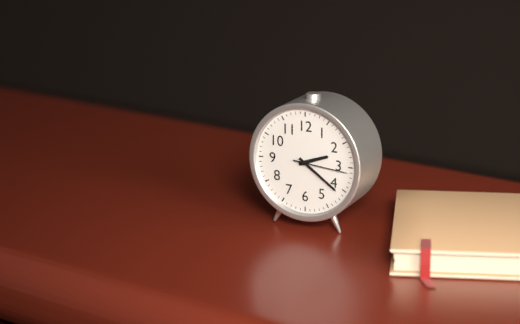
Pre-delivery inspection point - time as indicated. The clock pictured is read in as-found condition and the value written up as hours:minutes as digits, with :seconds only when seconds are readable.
2:21:16
